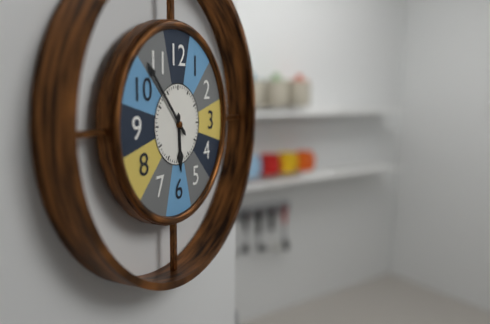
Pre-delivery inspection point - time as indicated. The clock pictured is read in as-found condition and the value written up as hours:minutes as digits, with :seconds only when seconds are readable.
5:53
